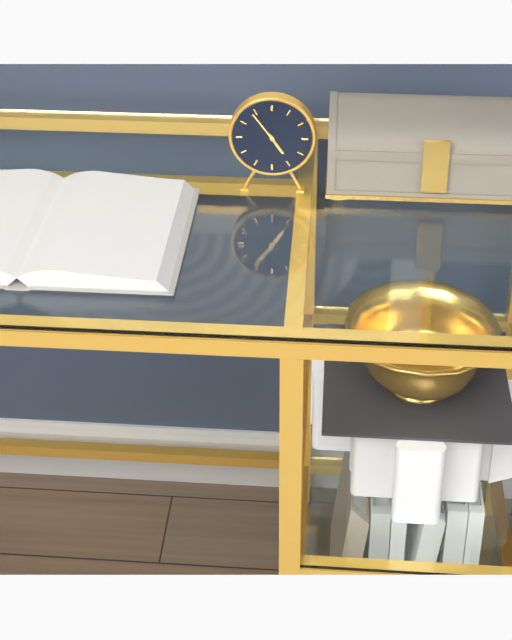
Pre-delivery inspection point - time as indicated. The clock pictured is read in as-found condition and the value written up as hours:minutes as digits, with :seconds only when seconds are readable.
4:54
